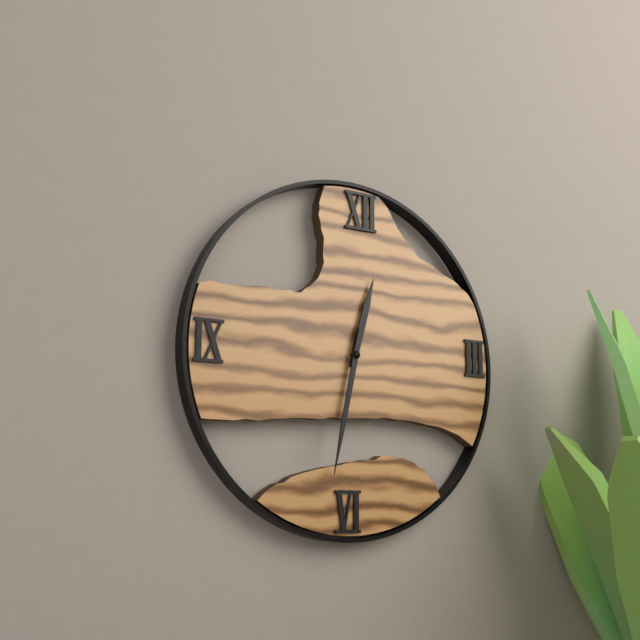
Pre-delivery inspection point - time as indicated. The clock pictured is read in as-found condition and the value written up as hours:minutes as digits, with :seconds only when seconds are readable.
12:32
